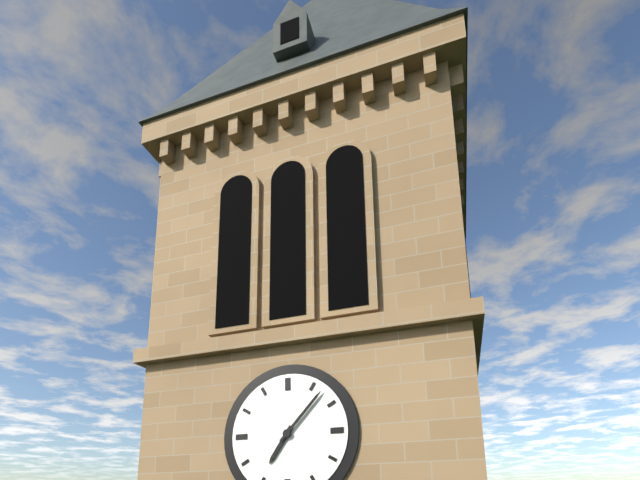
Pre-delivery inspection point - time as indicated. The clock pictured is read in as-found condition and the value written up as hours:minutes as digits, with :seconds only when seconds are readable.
7:07
